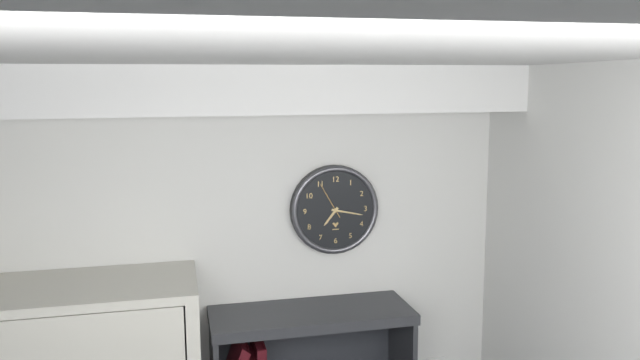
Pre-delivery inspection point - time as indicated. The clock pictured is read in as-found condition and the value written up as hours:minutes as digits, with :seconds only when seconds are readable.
7:17
